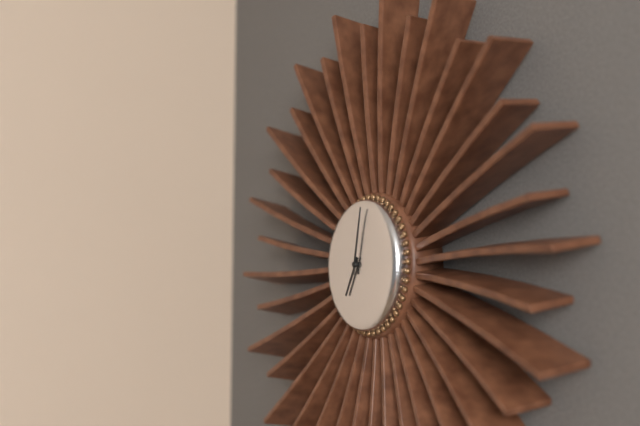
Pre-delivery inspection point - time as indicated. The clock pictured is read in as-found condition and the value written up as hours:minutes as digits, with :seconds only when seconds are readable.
7:02
